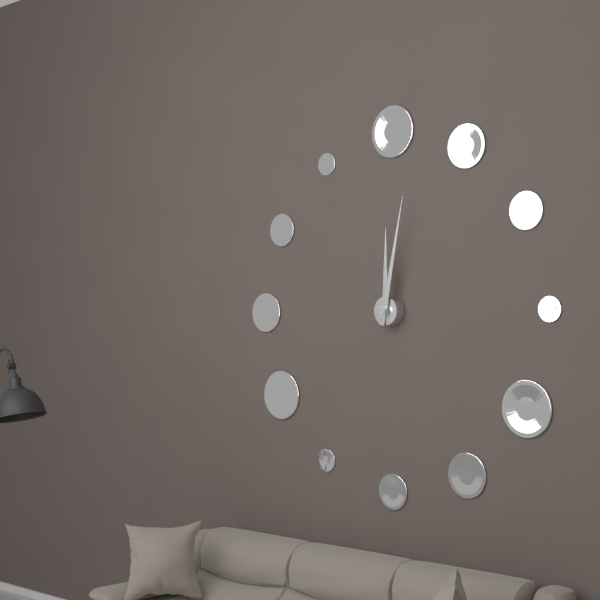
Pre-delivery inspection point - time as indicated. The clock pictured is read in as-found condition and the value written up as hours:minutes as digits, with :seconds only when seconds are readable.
12:02
